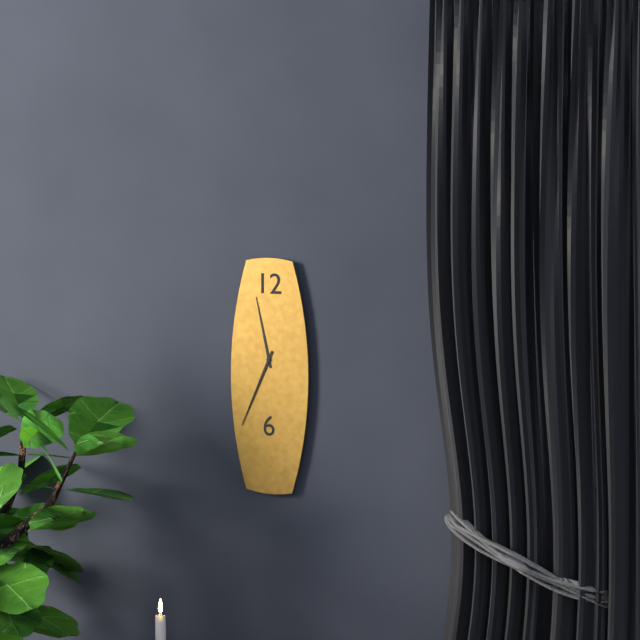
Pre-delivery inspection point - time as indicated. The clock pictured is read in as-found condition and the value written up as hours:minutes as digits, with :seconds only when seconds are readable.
11:34
